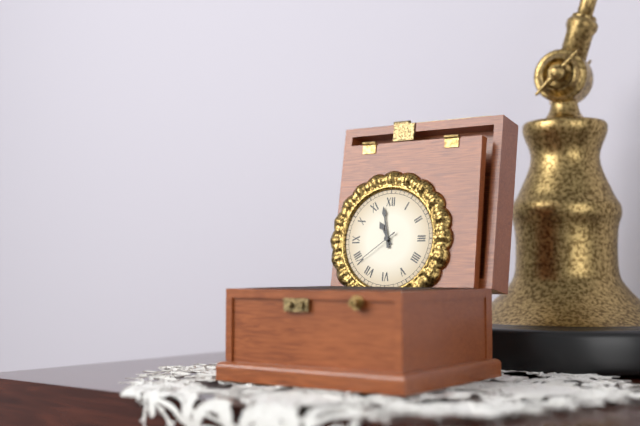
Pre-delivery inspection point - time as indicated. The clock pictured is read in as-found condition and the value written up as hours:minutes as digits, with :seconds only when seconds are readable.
10:58
